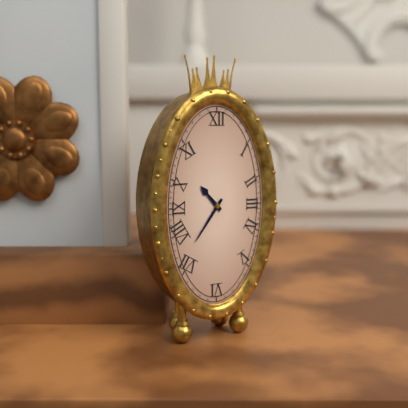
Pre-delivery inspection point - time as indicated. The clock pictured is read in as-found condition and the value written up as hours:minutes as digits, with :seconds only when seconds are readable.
10:36
